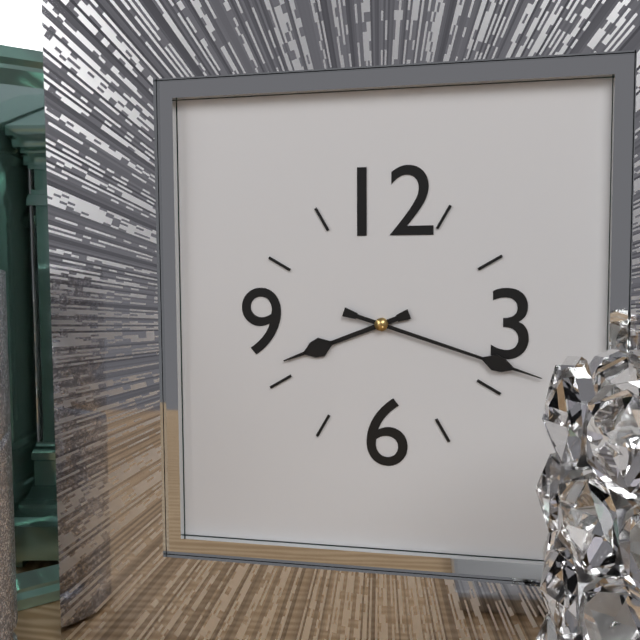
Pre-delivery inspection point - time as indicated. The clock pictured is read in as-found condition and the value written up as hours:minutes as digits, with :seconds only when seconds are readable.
8:18
